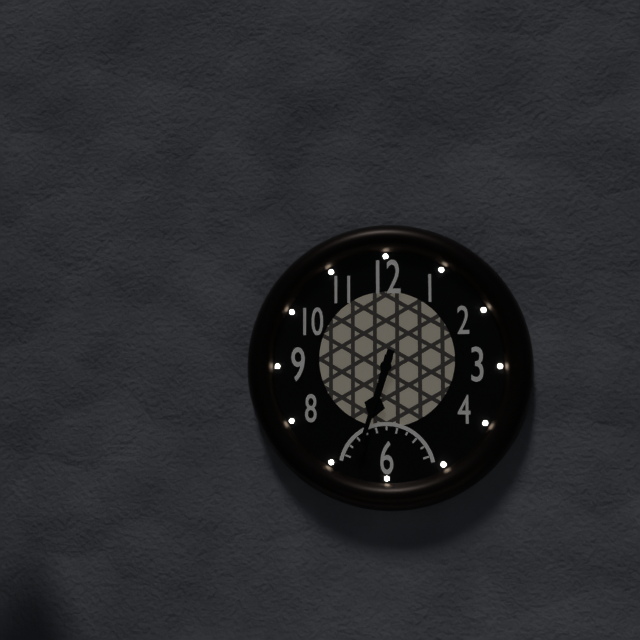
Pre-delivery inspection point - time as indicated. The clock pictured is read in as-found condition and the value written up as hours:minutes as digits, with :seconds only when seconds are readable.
6:33
